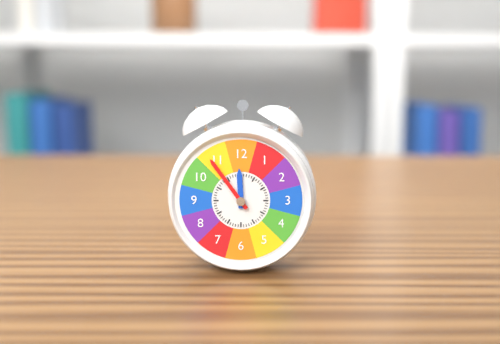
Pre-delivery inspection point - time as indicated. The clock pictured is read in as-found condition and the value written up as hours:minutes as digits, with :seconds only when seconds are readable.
11:54
